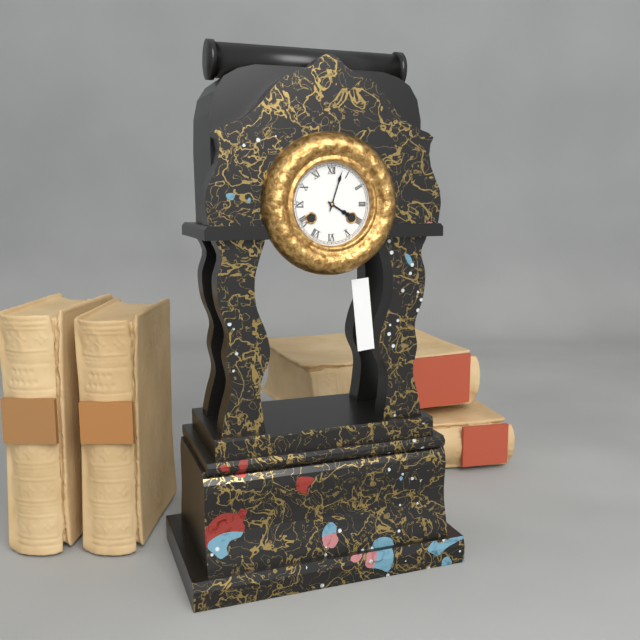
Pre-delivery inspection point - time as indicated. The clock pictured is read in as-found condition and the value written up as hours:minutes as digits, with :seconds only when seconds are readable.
4:03
